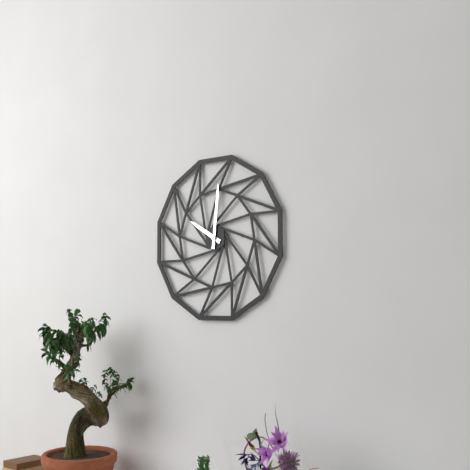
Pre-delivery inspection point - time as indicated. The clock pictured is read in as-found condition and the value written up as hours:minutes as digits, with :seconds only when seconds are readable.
10:01
